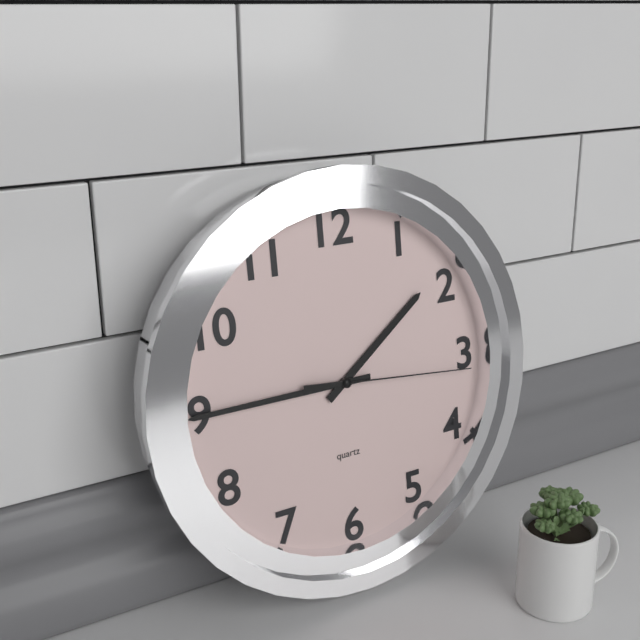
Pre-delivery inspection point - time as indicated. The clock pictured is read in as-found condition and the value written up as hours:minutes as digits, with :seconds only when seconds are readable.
1:45:16
